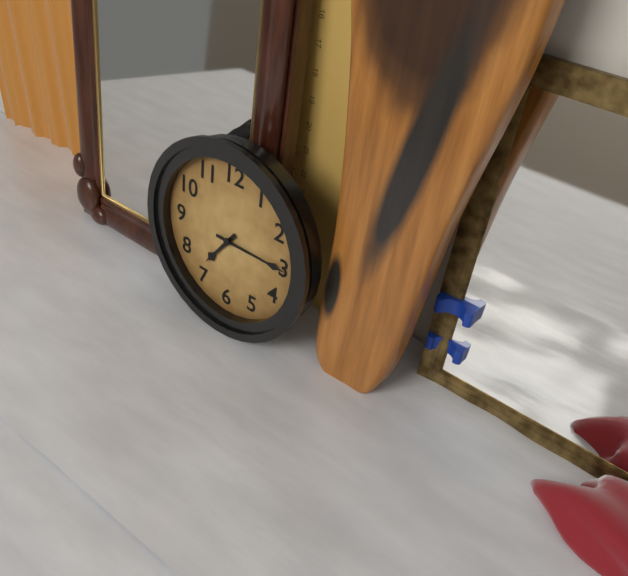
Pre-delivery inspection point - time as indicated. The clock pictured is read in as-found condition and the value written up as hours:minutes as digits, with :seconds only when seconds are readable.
7:15
